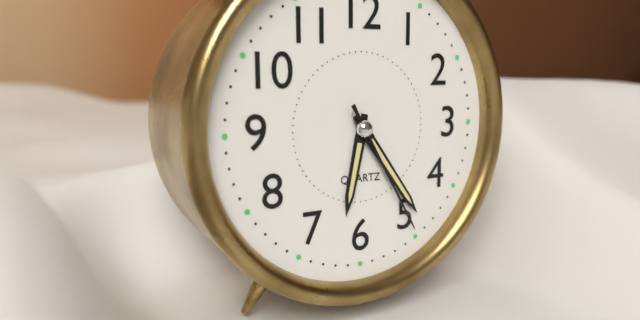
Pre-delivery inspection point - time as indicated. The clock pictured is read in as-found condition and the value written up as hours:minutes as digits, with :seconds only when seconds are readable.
6:24:25
